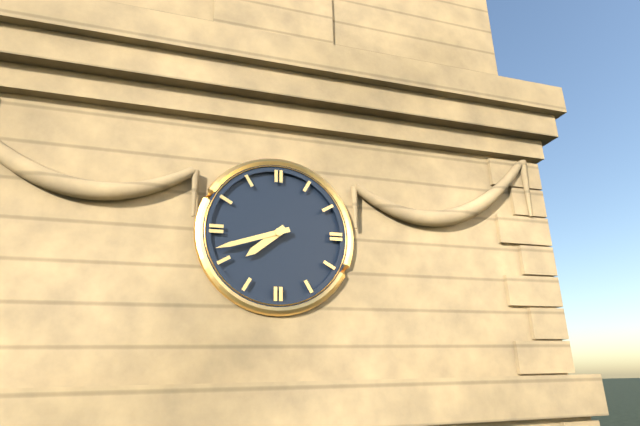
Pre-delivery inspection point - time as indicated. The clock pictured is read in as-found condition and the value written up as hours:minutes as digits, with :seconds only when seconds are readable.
7:42
